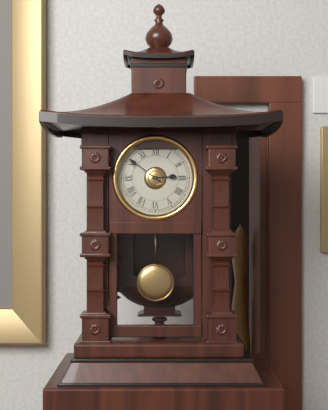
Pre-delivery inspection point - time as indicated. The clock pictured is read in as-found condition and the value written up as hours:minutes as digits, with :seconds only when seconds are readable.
2:51
